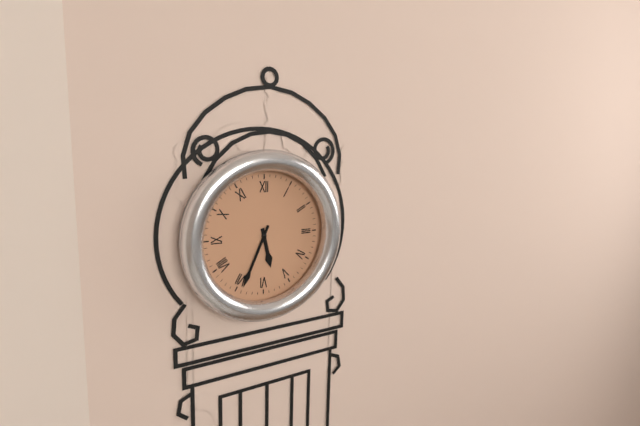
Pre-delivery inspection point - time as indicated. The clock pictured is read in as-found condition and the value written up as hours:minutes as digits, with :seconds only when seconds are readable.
5:34
